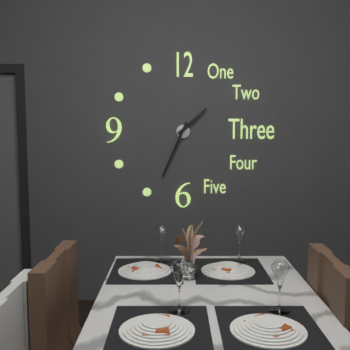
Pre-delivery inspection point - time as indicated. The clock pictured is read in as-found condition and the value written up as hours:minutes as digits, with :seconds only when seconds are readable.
1:34
